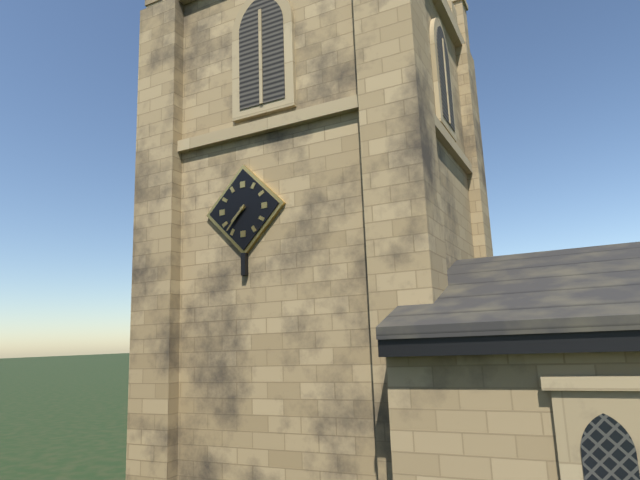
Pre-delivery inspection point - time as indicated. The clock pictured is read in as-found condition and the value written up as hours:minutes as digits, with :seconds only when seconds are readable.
7:37
